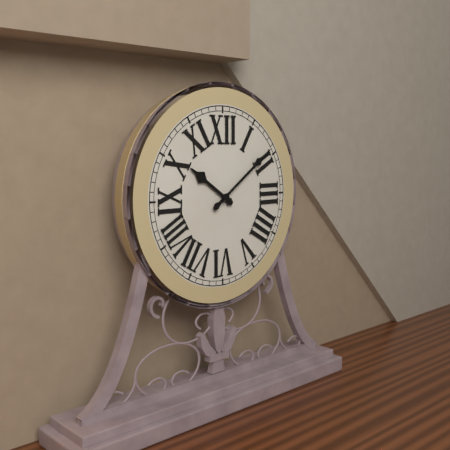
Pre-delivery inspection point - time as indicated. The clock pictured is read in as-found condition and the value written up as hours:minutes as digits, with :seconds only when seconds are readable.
10:09
